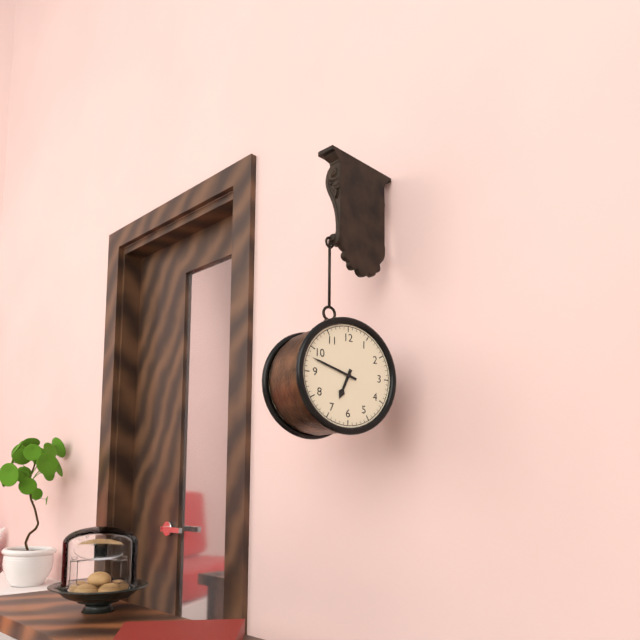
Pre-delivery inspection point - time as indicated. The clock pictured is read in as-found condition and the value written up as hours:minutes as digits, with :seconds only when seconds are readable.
6:48
